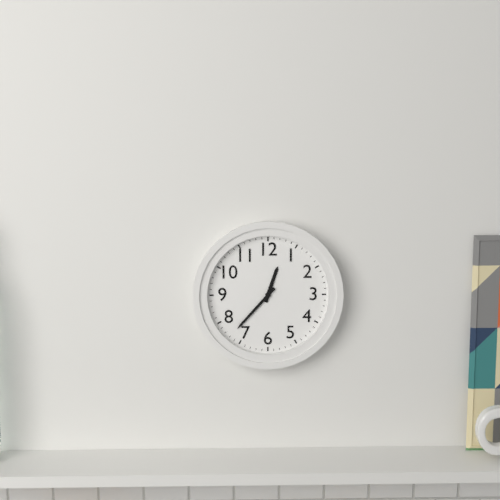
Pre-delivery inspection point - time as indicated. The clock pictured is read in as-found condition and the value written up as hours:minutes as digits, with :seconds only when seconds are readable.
12:37
